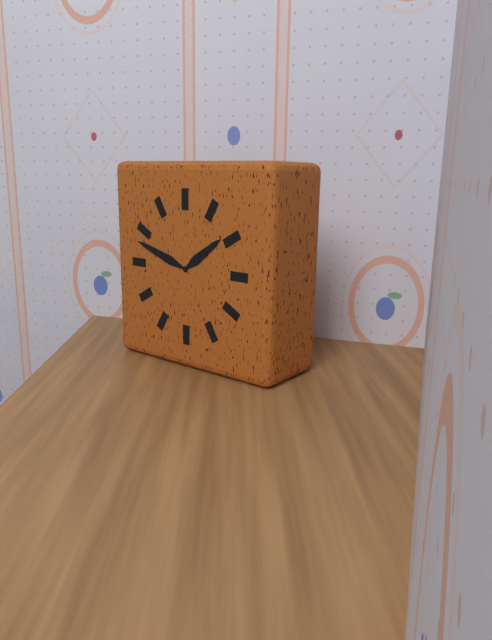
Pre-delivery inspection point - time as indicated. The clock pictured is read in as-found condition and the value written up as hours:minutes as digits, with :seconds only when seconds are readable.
1:48
